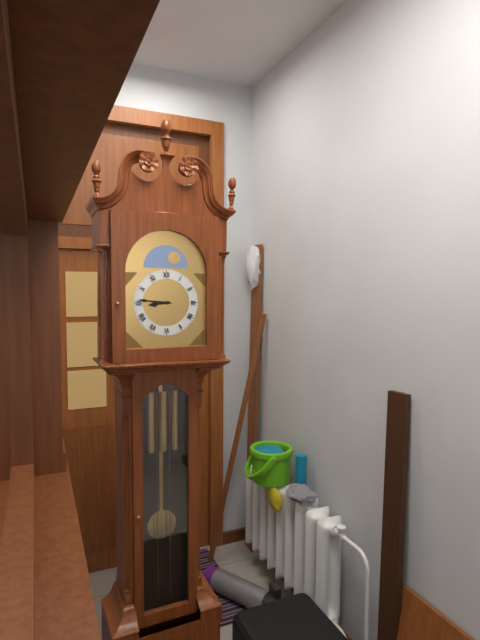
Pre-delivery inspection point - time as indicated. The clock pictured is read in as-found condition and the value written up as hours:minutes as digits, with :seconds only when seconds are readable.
8:46
